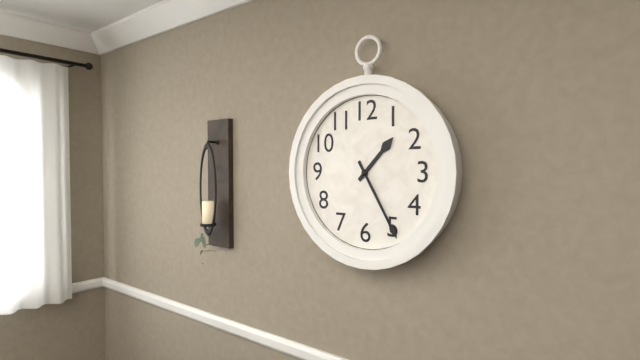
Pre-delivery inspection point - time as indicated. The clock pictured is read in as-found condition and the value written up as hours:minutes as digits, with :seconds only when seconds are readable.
1:25
